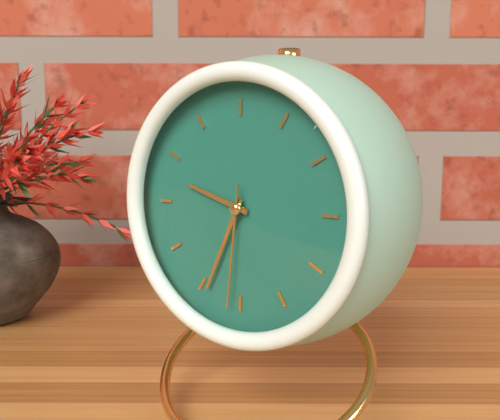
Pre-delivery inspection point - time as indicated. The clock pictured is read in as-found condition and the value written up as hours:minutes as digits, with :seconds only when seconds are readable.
9:34:31
